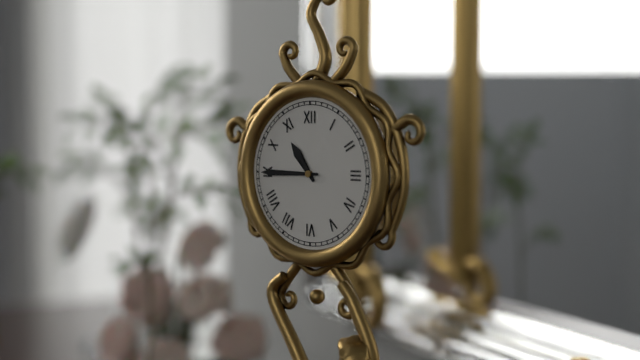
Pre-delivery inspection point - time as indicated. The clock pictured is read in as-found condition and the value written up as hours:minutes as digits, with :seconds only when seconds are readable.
10:45
